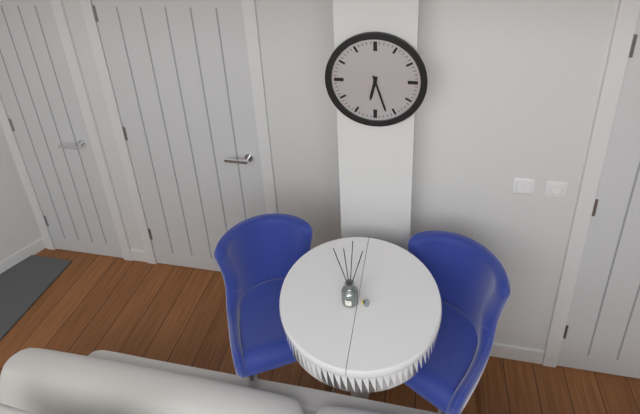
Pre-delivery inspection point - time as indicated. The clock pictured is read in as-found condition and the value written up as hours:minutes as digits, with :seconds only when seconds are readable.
6:27
